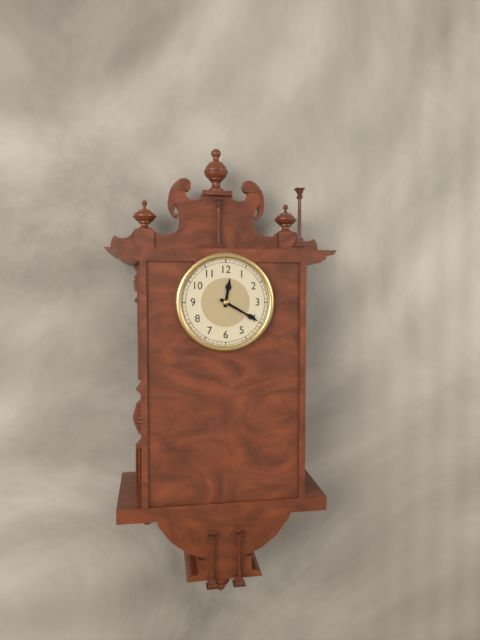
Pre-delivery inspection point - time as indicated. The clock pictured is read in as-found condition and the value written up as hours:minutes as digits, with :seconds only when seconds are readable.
12:20
